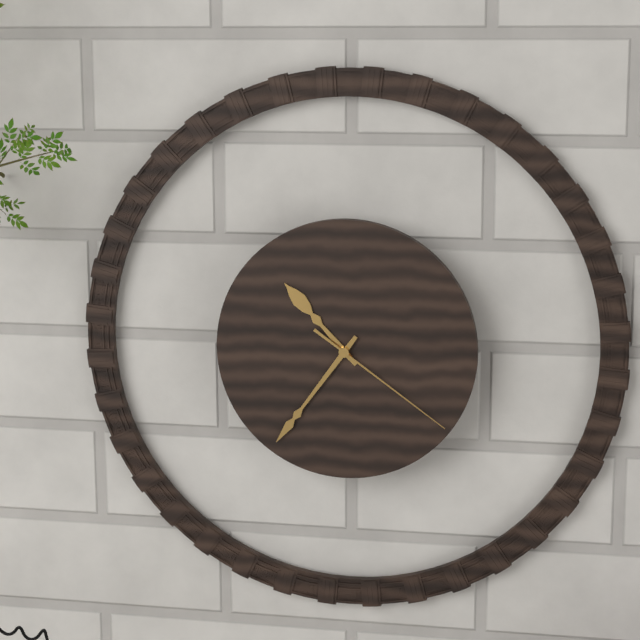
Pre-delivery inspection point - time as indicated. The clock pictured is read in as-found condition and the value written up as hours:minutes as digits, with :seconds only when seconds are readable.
10:36:21
